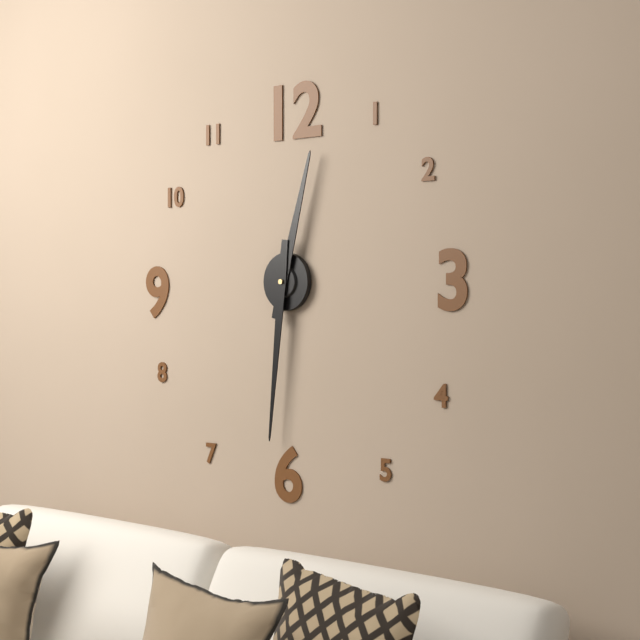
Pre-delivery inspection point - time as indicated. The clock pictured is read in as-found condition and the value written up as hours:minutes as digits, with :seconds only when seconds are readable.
12:31
